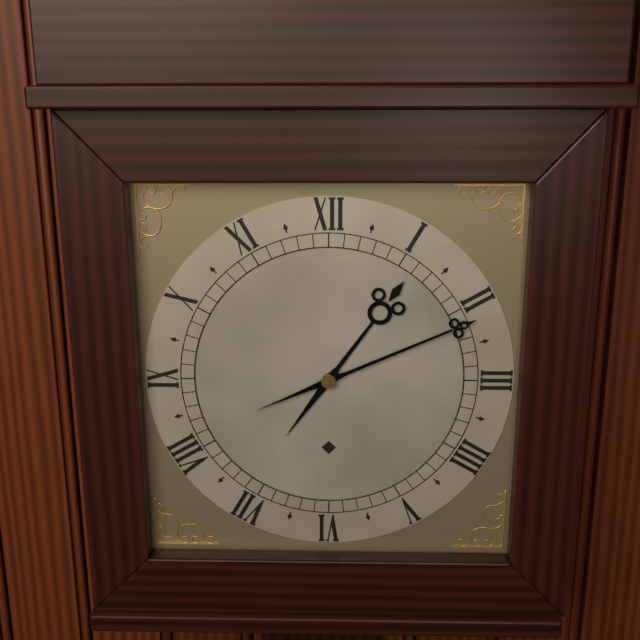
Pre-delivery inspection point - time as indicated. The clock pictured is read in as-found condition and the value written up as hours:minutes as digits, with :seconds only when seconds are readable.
1:11
